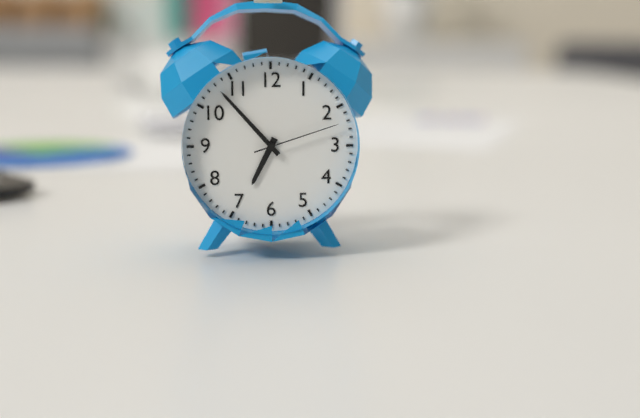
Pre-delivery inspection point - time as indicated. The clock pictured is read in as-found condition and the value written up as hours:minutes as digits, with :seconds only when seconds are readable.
6:53:12
